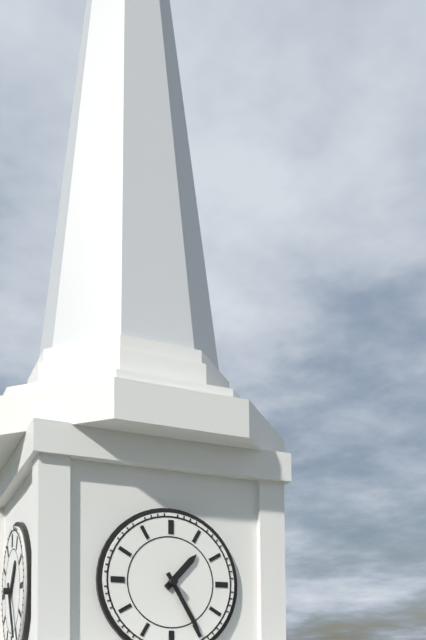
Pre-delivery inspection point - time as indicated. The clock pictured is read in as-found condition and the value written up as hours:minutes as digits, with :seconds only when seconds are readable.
1:25
